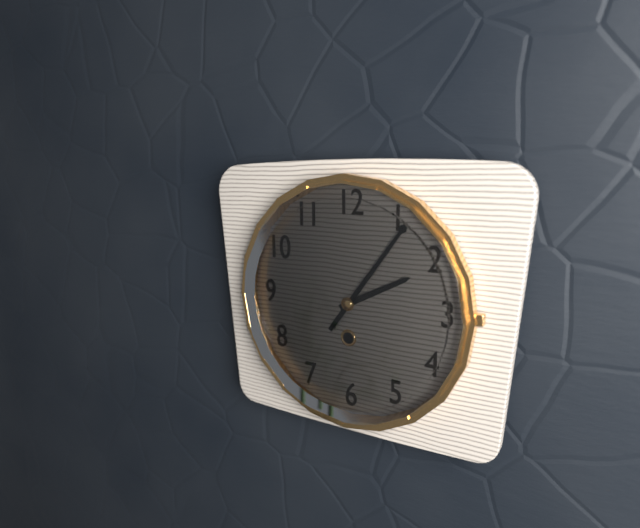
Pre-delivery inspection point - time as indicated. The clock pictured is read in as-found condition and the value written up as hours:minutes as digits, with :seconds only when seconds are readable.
2:06
